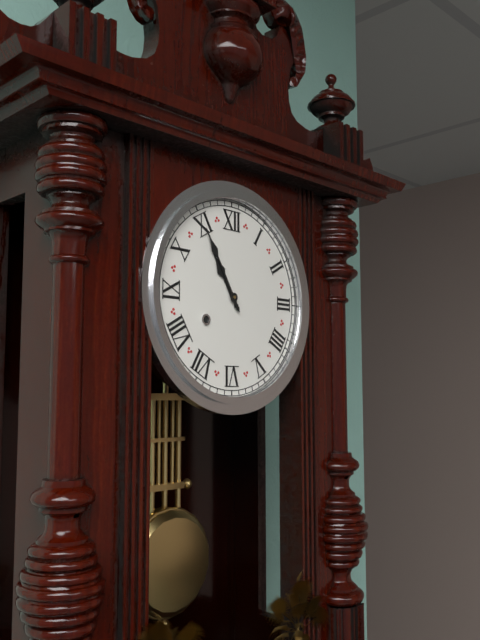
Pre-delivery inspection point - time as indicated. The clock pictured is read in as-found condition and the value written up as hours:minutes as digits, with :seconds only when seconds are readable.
10:55
